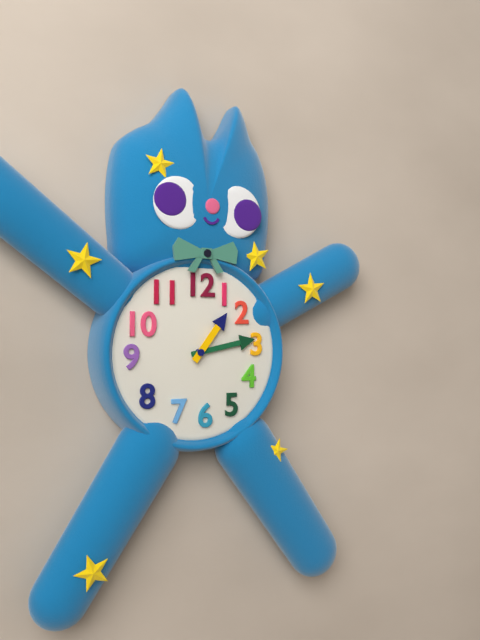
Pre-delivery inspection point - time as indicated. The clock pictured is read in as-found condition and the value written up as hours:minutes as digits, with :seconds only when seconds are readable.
1:13
